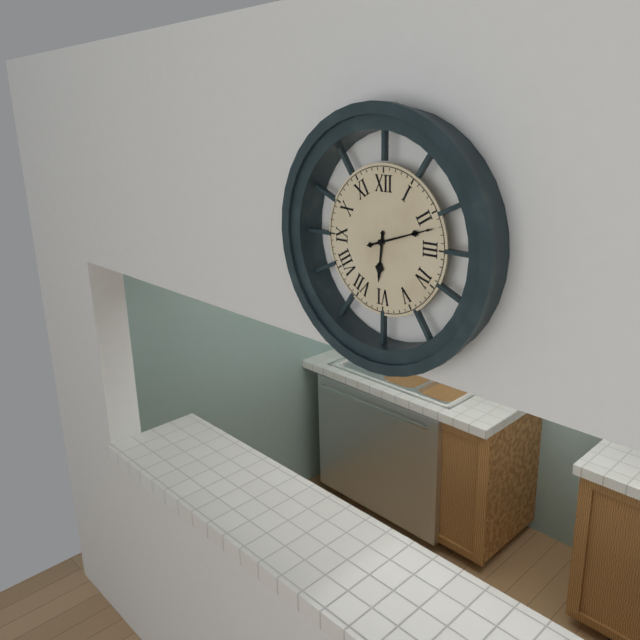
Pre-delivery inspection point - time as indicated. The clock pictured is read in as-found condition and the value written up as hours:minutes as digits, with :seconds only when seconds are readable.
6:12
